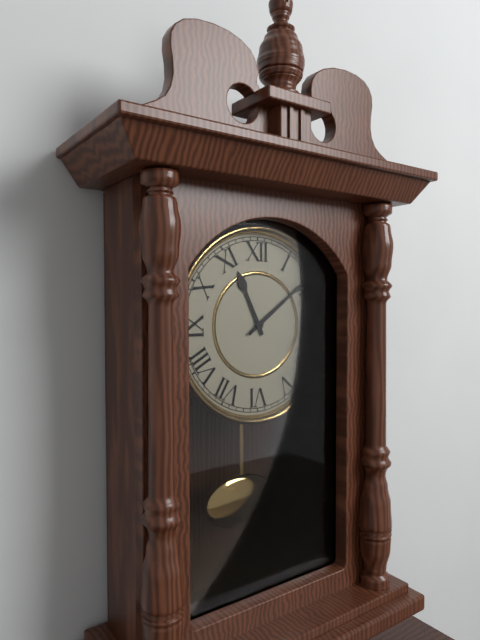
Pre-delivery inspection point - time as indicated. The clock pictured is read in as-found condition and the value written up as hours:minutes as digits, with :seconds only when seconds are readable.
11:09
